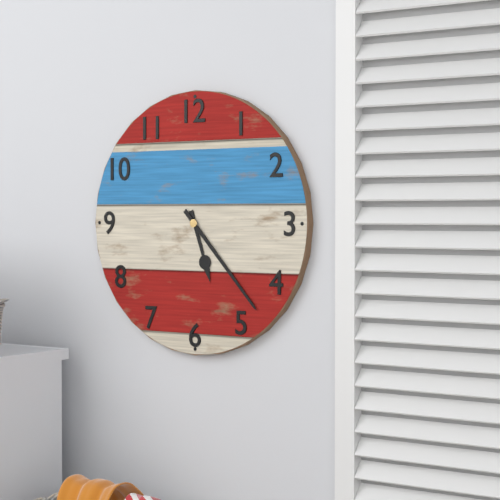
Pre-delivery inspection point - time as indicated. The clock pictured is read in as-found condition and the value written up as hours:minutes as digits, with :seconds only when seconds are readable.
5:23
